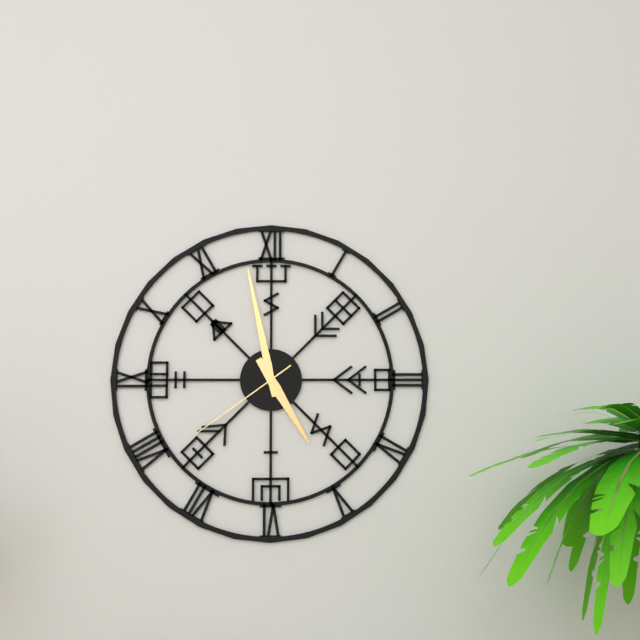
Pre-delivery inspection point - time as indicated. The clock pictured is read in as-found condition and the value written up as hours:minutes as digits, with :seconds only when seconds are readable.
4:58:39
